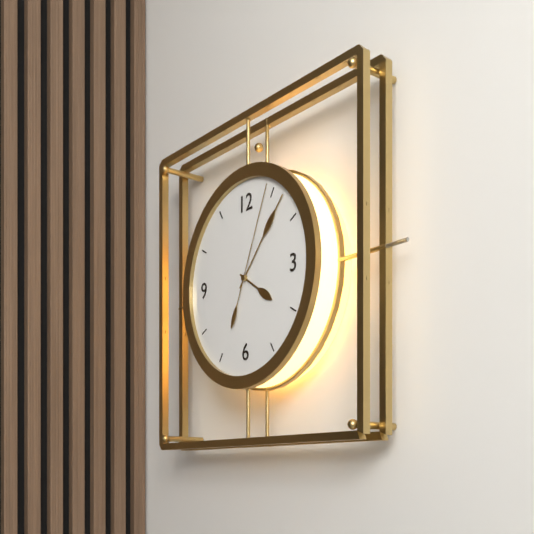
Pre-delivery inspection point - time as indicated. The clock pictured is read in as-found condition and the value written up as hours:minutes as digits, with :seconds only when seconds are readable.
4:07:04
